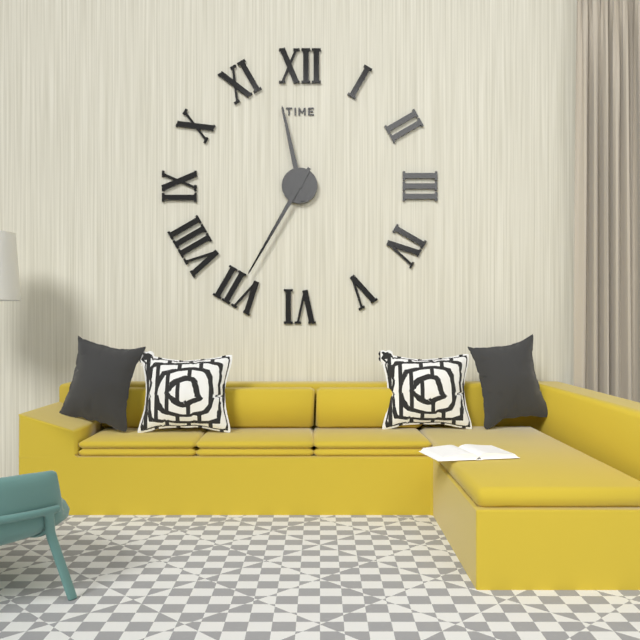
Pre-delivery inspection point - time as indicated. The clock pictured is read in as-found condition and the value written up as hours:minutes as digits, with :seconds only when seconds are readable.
11:35
